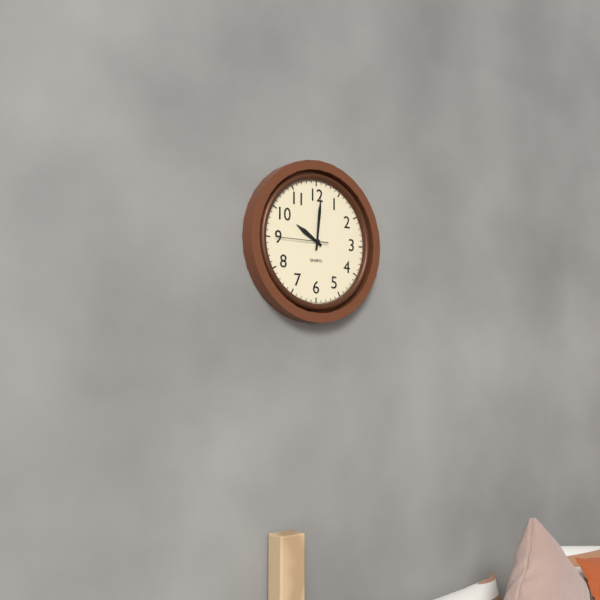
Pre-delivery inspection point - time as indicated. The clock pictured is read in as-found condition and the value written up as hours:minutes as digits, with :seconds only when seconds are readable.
10:01:45
